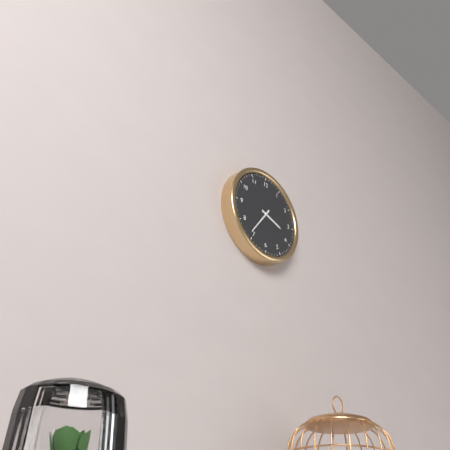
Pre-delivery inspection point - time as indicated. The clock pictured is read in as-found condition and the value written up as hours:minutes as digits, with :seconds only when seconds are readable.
3:36
